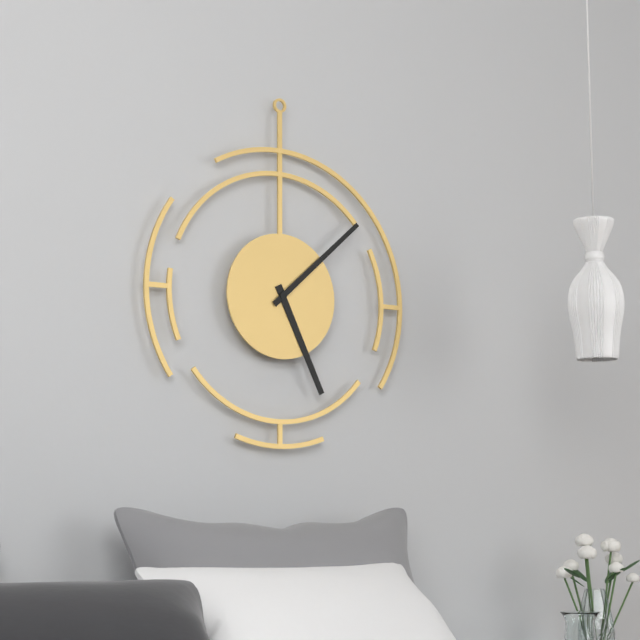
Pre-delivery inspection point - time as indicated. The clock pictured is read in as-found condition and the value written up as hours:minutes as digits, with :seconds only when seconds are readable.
5:08
